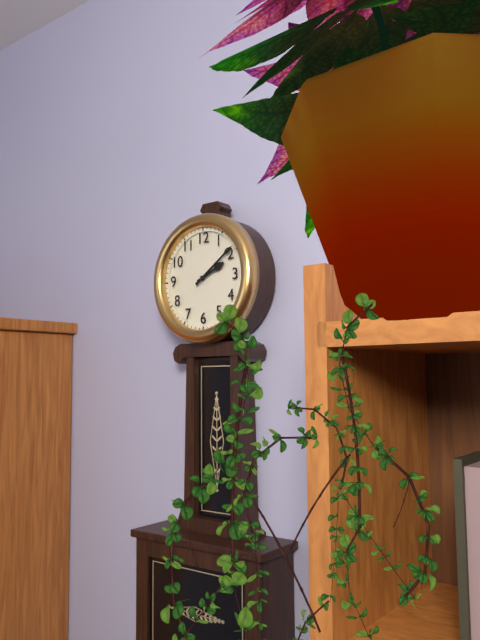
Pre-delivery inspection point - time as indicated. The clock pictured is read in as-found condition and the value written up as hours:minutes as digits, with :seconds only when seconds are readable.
2:09
